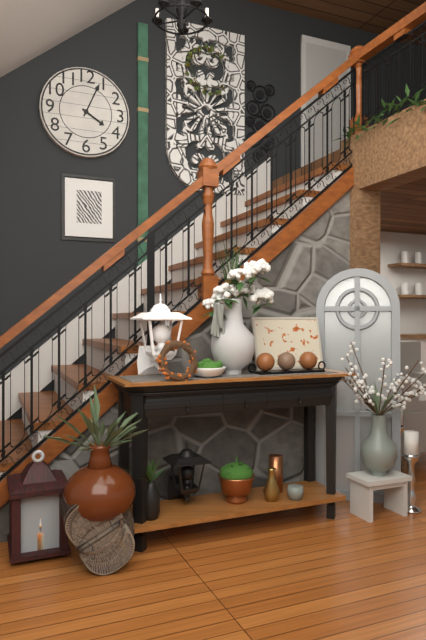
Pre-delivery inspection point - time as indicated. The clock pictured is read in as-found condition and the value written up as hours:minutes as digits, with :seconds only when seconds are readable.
4:04
